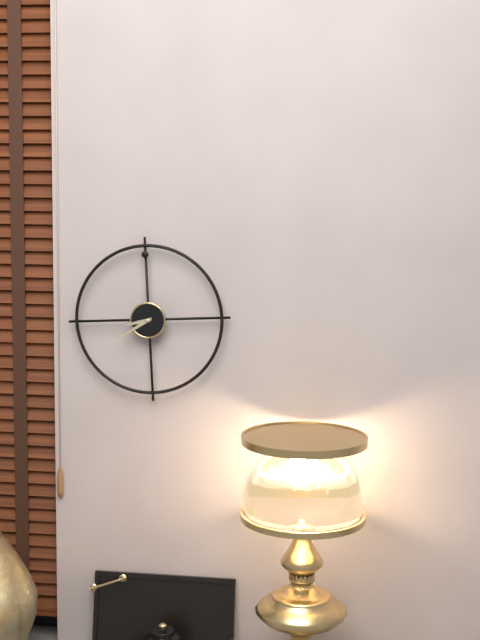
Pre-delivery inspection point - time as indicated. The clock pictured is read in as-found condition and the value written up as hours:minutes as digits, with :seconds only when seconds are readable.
8:40
